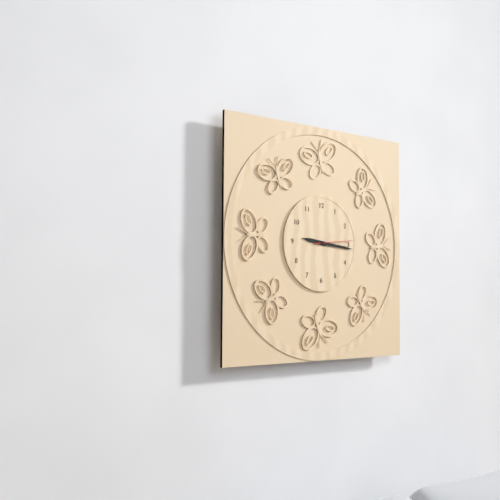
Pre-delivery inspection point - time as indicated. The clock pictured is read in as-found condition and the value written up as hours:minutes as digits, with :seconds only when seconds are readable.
9:16
